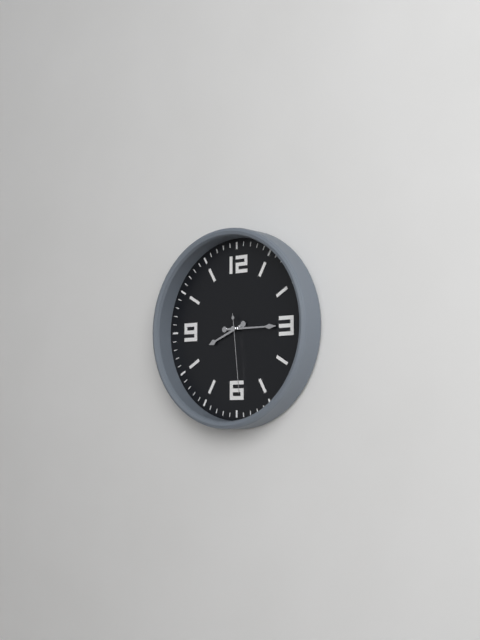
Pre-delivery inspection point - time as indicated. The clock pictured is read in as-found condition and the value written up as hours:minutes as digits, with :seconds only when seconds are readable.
8:15:29
